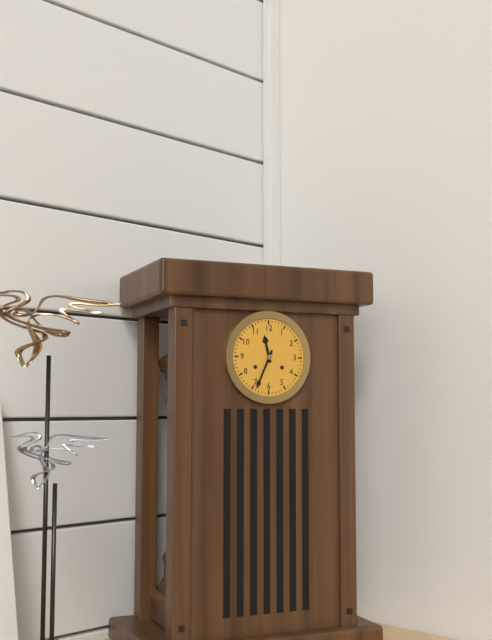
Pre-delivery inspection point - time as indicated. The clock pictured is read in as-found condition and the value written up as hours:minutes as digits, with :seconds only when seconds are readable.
11:34
